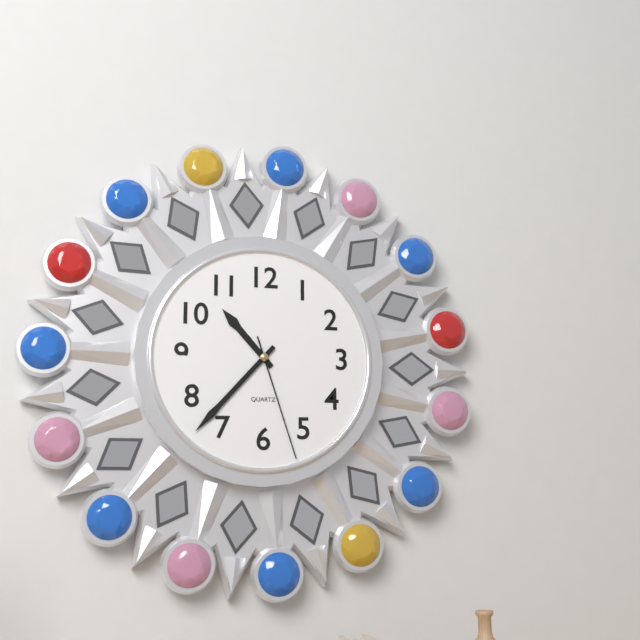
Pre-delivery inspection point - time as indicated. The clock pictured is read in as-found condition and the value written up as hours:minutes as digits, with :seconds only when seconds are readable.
10:37:27
